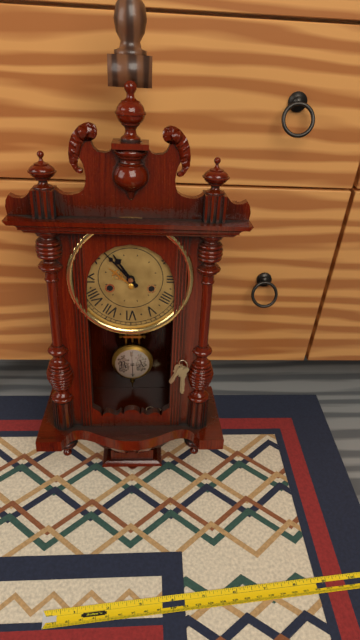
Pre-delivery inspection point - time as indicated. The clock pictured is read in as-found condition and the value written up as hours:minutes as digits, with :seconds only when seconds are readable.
10:53
